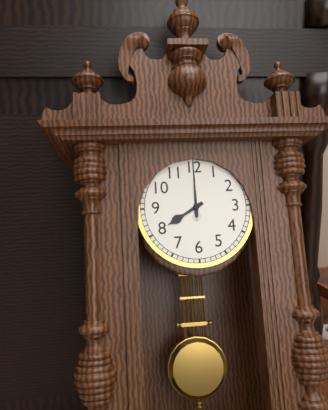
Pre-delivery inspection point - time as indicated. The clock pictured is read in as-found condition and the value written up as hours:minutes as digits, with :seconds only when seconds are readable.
8:00
